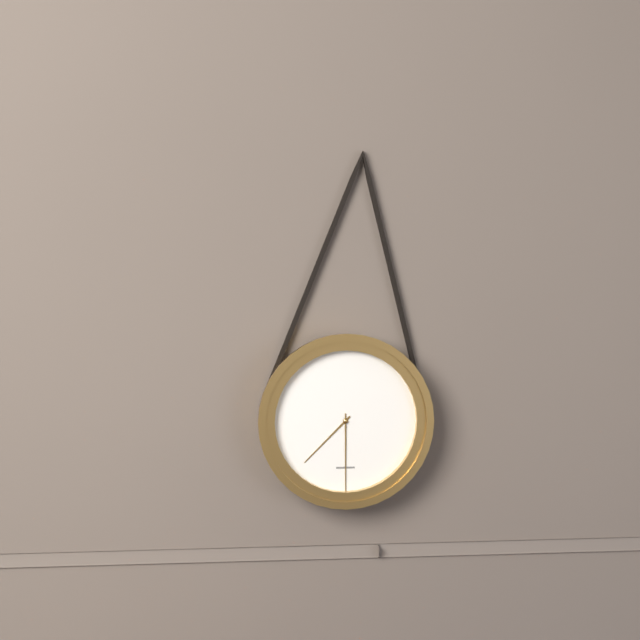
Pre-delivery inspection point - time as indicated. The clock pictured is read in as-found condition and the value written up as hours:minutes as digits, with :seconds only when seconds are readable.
7:30
